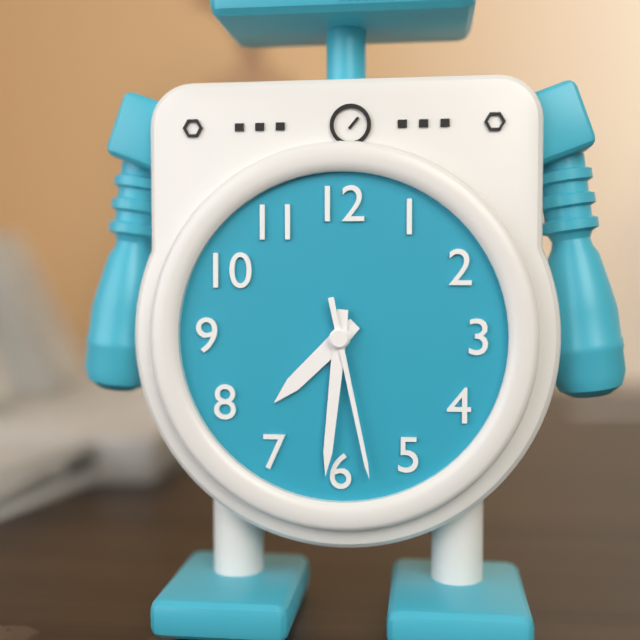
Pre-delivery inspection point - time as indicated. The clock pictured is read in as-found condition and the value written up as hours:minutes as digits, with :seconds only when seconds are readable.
7:31:28
